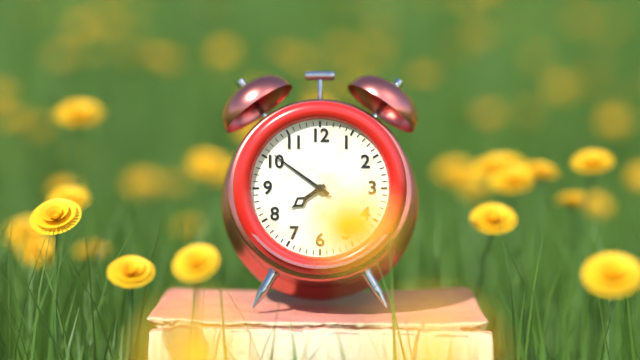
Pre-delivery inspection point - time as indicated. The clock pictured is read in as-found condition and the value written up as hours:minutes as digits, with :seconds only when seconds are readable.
7:51
